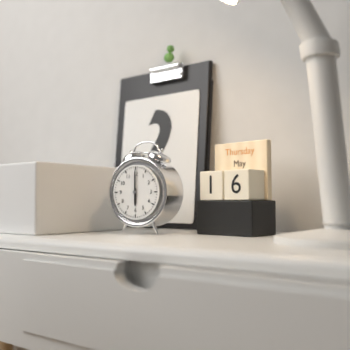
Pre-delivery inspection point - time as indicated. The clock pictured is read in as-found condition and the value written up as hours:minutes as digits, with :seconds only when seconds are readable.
6:00
